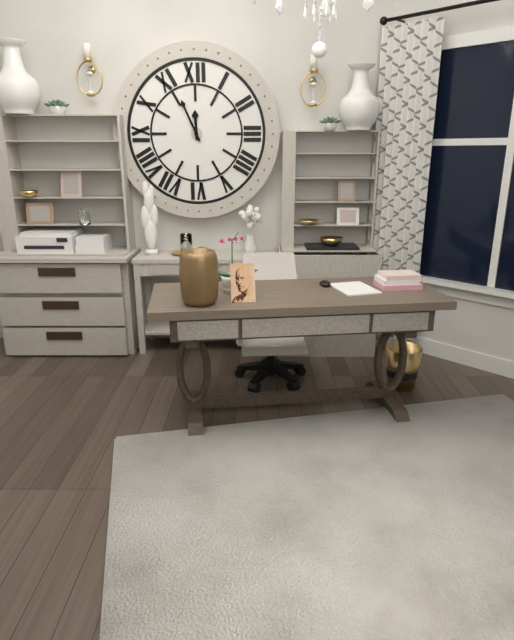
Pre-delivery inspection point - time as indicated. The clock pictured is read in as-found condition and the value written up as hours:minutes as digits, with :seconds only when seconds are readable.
11:56
